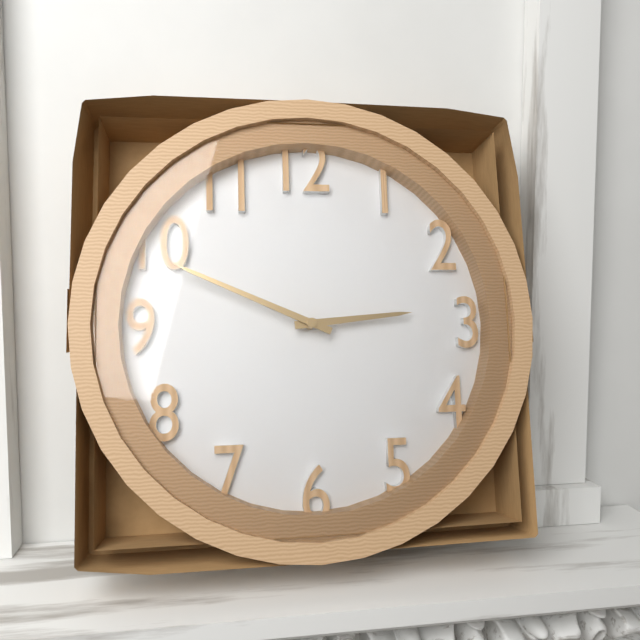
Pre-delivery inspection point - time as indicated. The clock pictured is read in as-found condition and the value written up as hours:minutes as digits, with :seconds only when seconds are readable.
2:49
